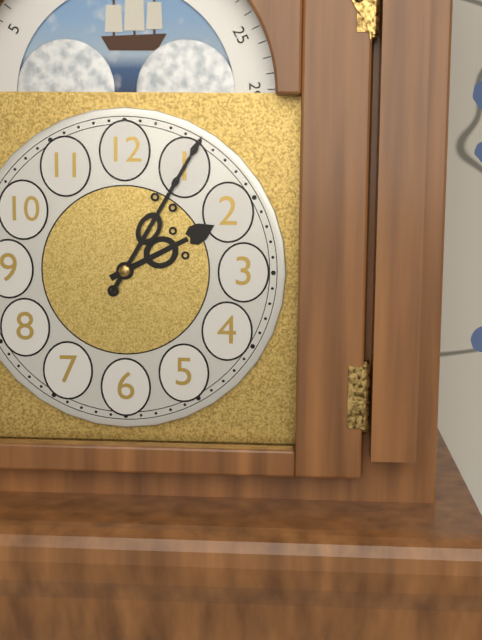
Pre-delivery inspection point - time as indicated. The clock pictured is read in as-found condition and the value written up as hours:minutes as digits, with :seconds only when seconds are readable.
2:05
